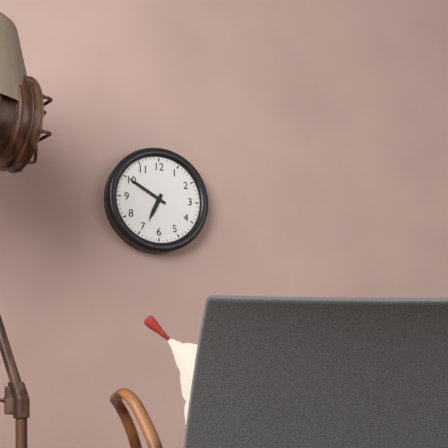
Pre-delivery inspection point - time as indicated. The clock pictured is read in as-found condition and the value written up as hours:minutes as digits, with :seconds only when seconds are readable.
6:50
